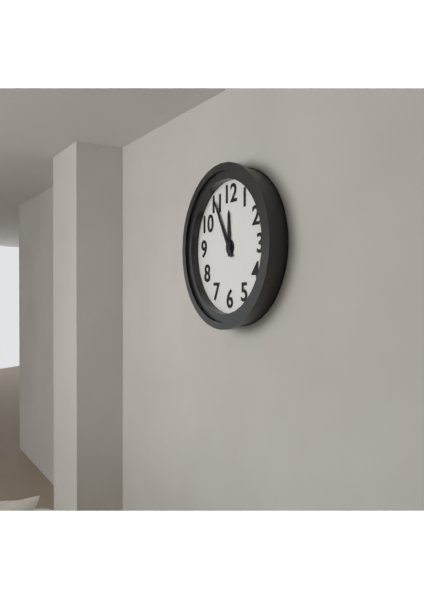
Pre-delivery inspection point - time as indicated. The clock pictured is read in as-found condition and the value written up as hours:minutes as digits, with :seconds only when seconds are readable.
11:55
